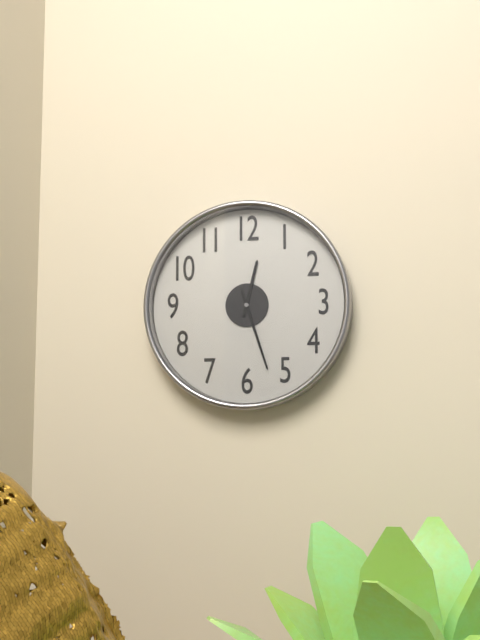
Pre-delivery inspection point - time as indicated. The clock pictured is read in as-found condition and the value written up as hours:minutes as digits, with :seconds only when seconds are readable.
12:27
